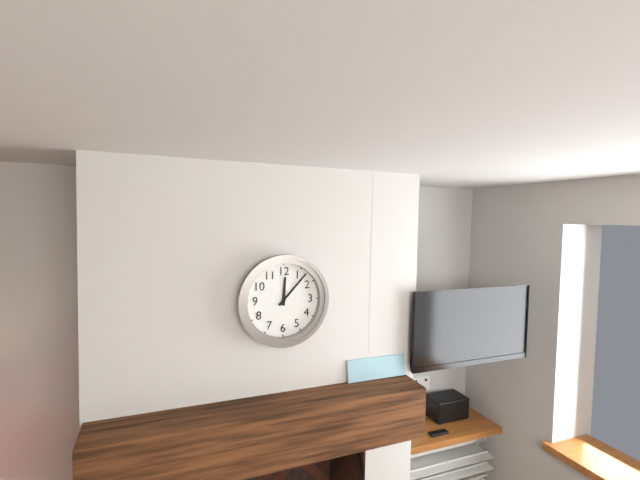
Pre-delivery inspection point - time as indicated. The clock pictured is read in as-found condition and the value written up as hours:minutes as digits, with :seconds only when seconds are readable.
12:07
